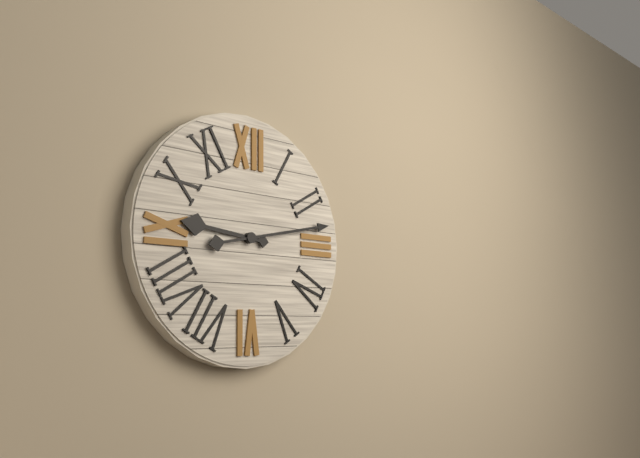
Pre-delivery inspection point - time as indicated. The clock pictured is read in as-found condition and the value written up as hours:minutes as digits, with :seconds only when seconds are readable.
9:13
